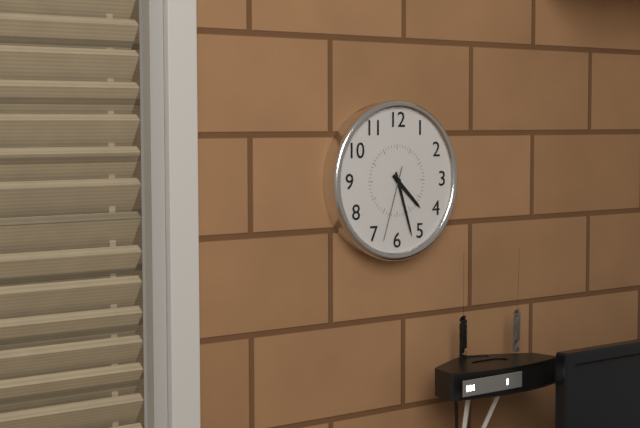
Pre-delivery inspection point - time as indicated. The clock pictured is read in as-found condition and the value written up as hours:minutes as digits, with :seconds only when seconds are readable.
4:27:33
